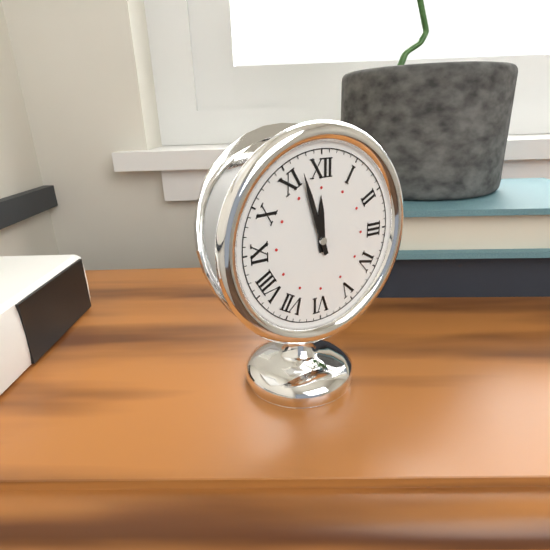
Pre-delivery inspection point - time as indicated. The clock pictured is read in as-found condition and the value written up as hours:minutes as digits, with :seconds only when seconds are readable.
11:57
